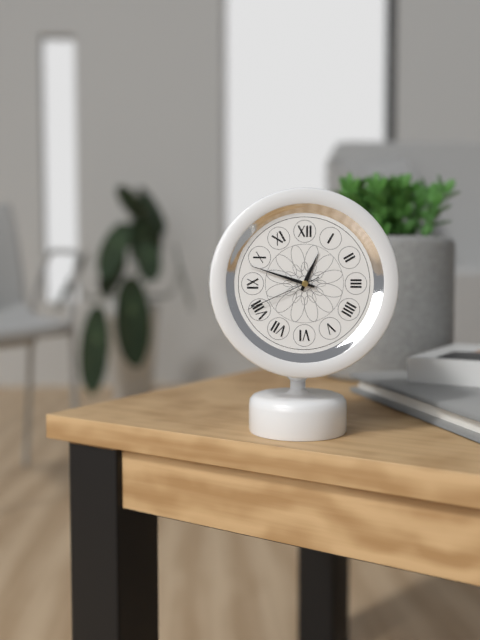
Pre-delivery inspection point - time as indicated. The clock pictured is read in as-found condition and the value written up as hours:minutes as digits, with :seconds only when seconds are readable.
12:48:41
